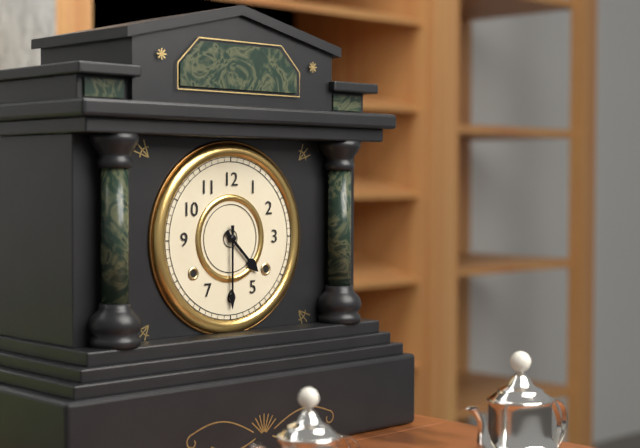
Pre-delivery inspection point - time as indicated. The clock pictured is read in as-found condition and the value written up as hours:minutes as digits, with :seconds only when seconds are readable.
4:30
